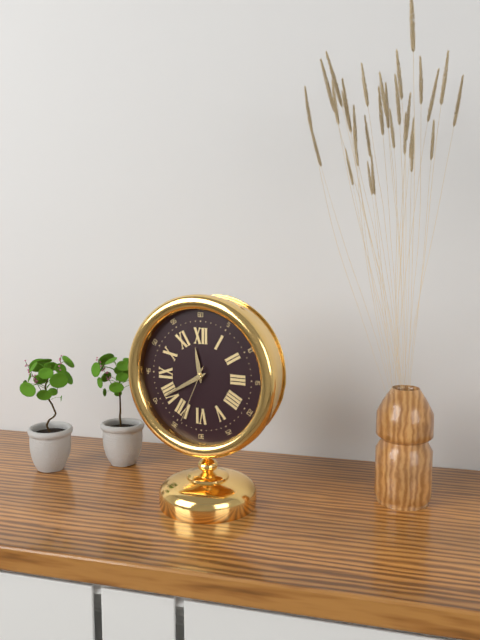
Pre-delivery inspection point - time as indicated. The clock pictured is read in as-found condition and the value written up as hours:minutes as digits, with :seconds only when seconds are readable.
11:40:34
